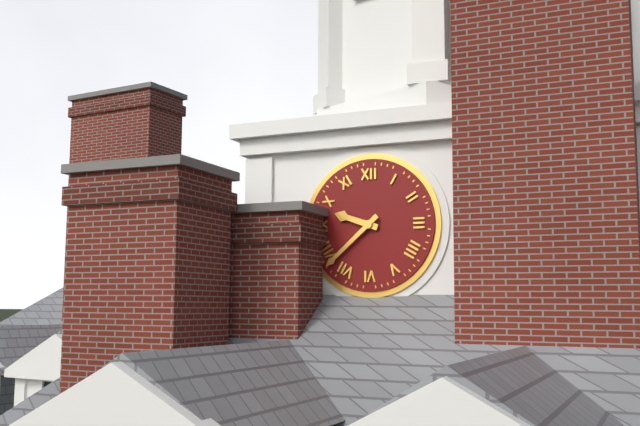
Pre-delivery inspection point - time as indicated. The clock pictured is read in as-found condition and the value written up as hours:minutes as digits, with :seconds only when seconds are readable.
9:38
